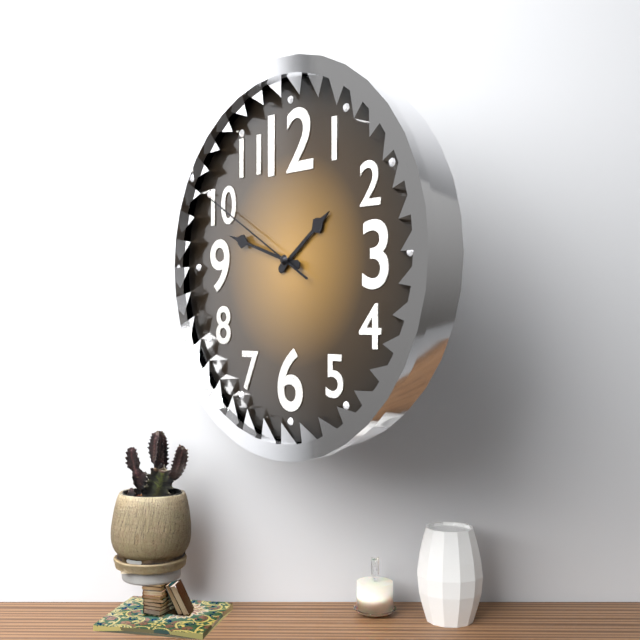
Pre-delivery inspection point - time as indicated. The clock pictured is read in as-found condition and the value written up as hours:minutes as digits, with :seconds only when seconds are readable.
1:48:50
